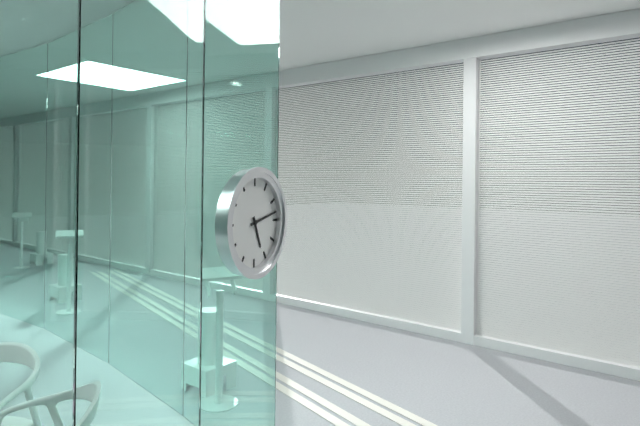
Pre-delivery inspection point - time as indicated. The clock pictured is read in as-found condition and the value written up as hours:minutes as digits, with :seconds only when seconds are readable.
5:13
